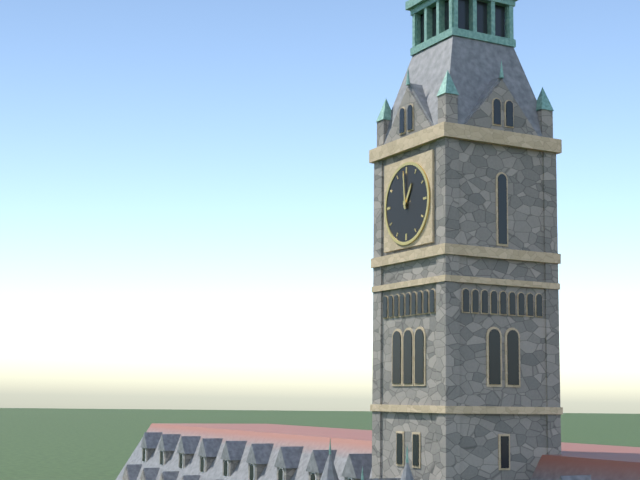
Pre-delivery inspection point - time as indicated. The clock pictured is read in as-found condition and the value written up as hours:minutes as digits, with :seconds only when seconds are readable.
12:59
